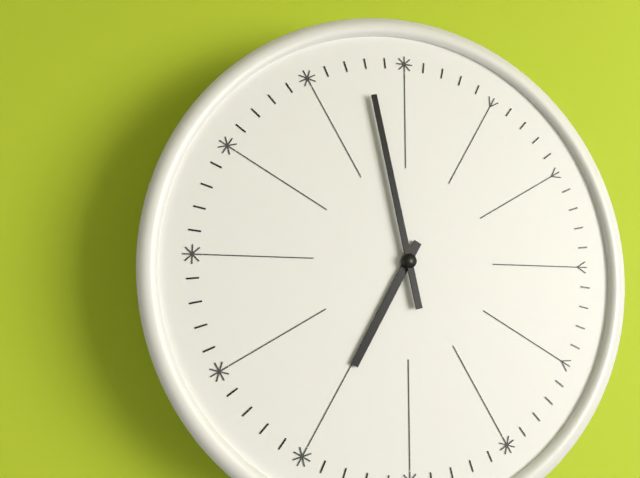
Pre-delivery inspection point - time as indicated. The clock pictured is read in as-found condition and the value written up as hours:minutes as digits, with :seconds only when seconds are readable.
6:58
